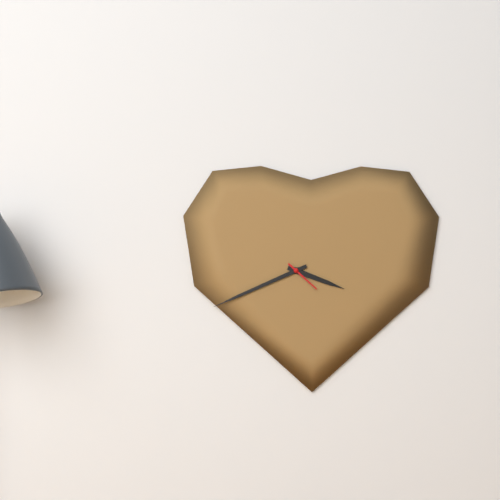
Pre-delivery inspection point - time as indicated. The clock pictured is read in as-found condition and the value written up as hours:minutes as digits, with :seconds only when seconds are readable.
3:41
